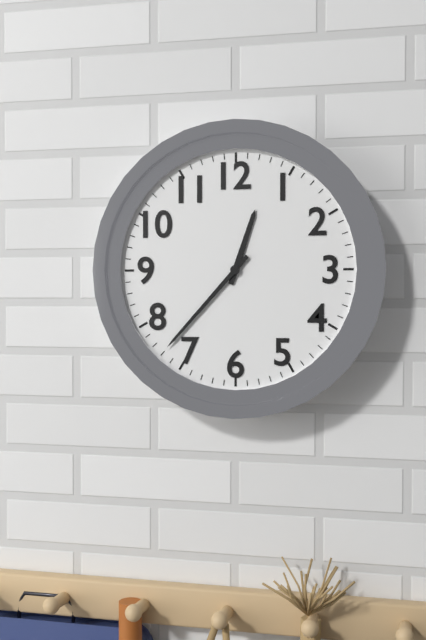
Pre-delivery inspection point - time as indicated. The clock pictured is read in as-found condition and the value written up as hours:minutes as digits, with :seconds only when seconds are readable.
12:37
